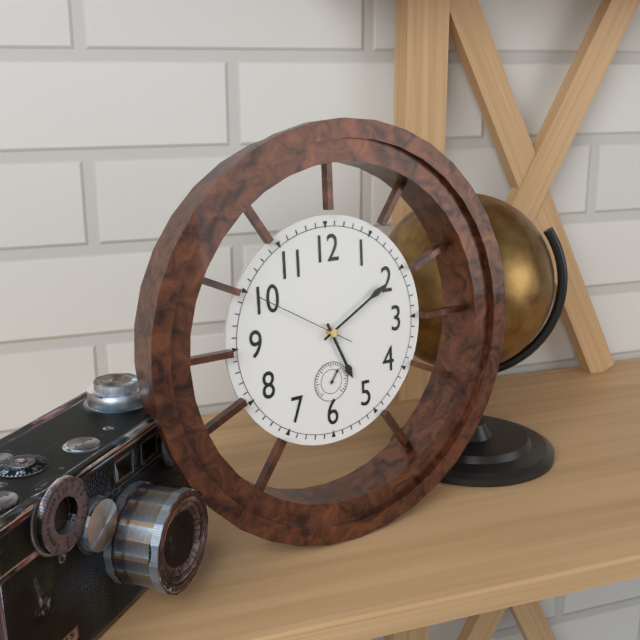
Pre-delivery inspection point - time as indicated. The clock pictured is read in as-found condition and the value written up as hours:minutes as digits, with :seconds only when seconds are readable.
5:10:50
